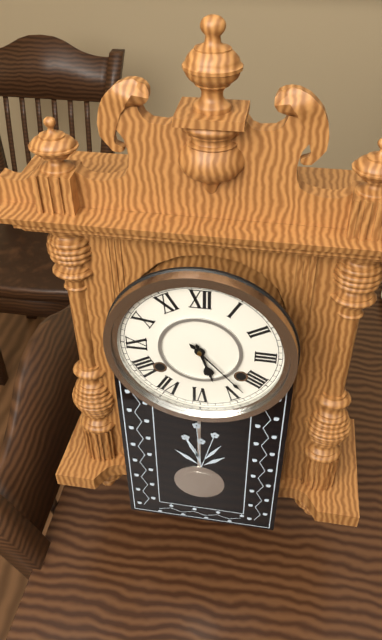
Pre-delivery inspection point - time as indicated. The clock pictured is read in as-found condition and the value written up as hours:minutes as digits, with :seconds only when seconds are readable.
5:23
